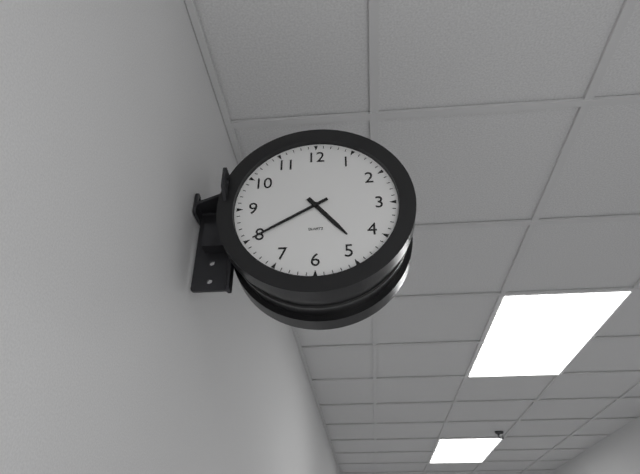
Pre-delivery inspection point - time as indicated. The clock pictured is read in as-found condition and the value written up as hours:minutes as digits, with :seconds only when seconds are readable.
4:40
